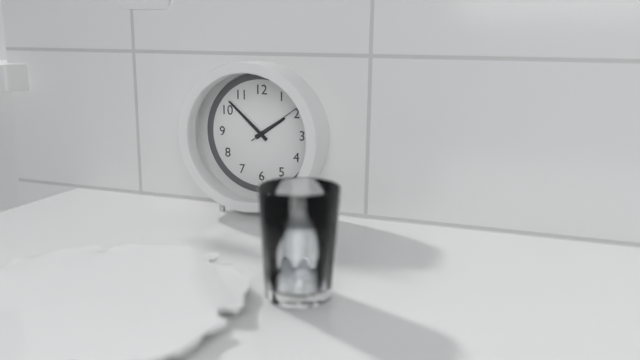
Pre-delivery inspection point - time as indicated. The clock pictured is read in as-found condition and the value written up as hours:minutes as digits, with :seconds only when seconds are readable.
1:52:09
